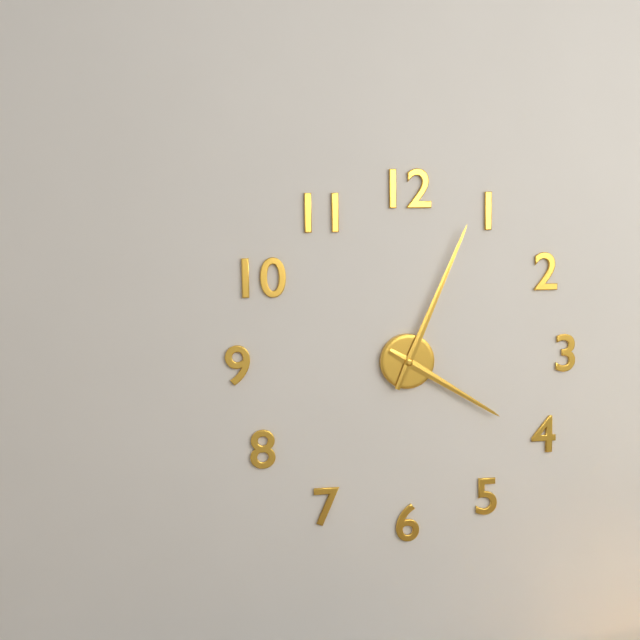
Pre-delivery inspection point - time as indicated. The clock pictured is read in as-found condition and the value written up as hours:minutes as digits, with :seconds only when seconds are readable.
4:04
